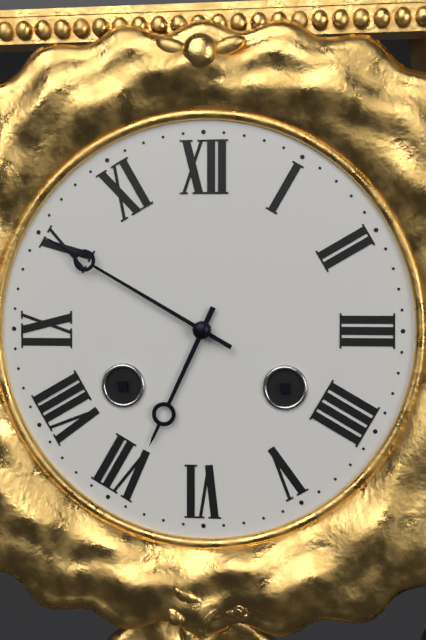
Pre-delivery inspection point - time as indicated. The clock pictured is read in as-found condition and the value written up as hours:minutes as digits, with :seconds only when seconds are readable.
6:50
